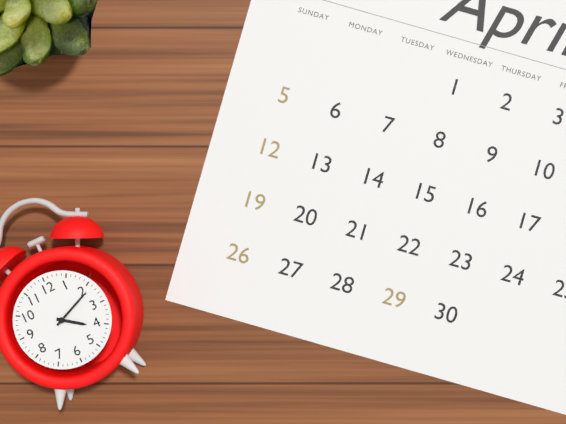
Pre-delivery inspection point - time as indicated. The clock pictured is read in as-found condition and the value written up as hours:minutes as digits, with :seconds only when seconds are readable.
4:11
